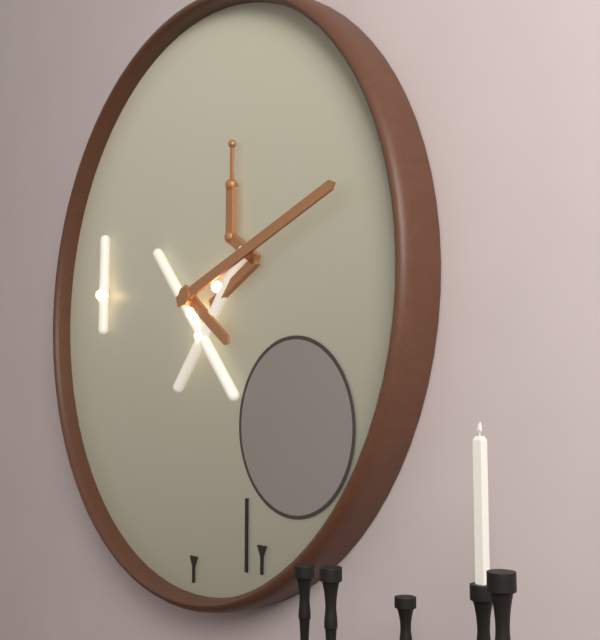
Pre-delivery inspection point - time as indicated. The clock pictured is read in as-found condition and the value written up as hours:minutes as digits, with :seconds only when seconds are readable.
4:12
